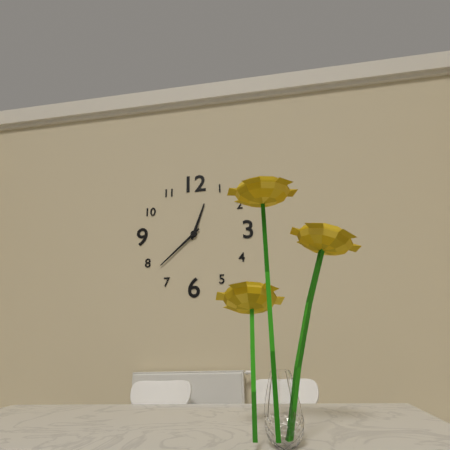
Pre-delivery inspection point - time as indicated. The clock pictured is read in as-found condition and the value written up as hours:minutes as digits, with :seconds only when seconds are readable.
12:38
